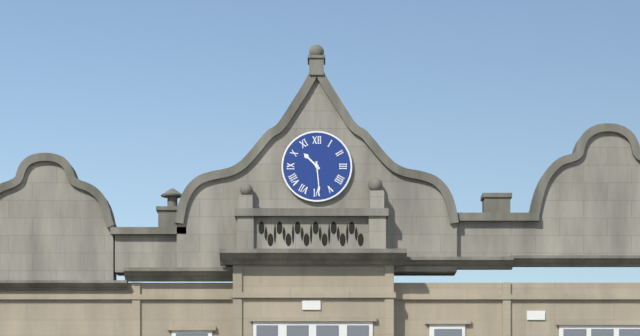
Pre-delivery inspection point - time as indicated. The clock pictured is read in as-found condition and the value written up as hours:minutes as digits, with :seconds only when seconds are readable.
10:29
